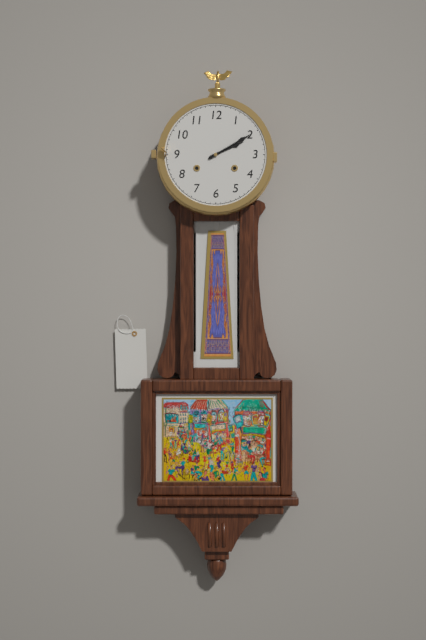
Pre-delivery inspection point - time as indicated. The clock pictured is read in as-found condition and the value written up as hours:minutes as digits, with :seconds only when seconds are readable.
2:10
